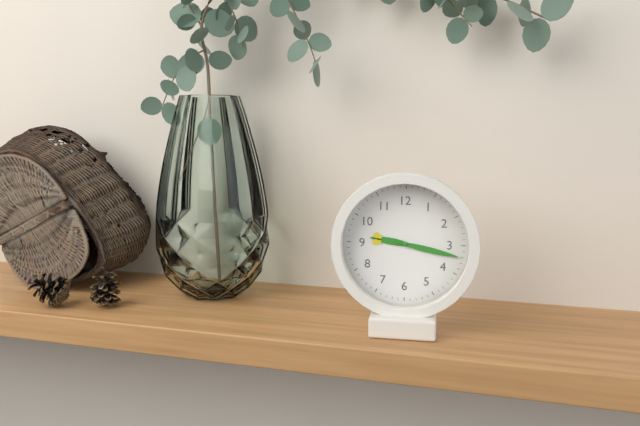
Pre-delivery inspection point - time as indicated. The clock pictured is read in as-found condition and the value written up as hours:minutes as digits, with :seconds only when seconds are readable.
9:17
